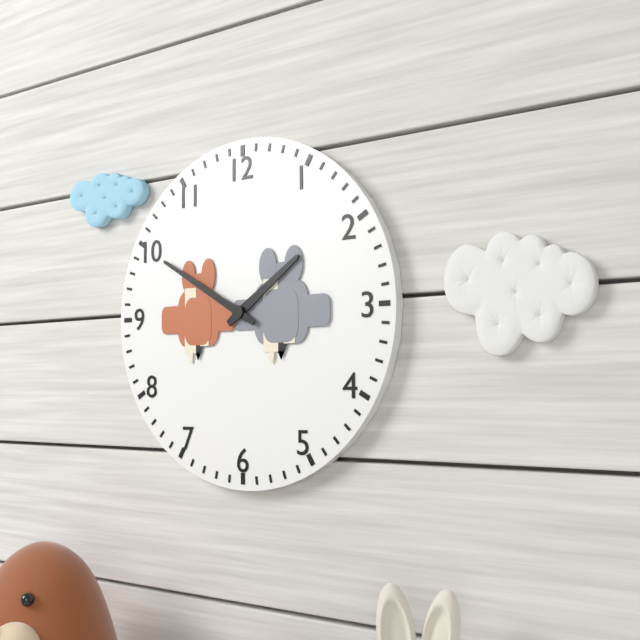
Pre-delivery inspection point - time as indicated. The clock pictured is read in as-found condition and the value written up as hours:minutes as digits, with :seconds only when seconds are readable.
1:50
